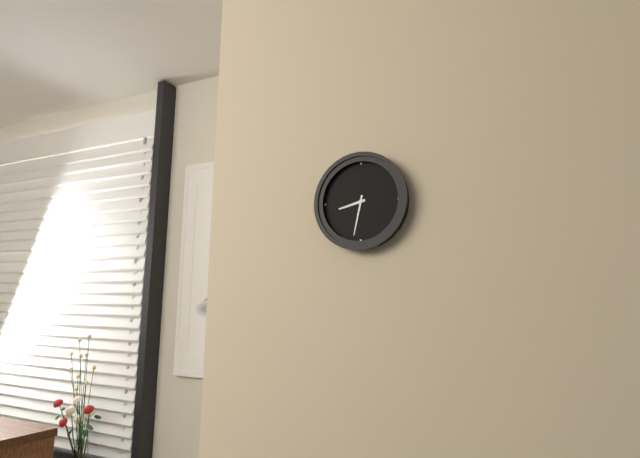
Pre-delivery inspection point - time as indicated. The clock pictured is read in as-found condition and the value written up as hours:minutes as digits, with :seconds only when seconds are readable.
8:32
